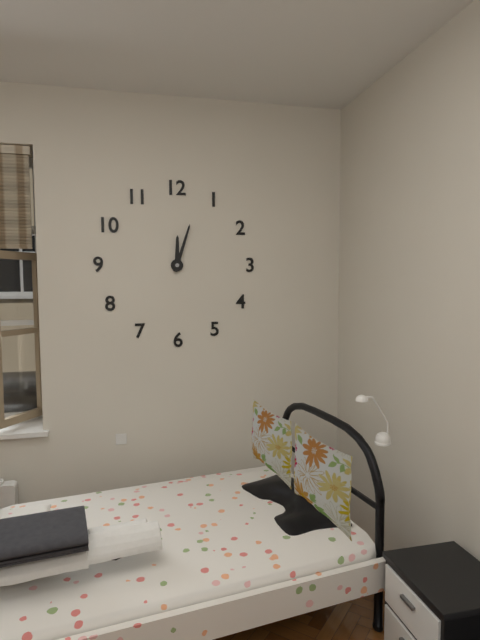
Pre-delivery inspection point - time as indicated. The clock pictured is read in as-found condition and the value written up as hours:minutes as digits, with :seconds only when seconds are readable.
12:03
